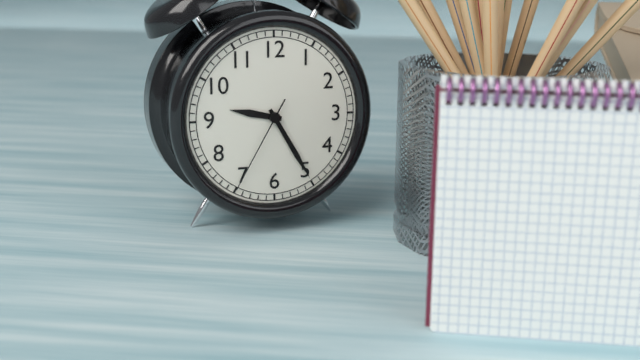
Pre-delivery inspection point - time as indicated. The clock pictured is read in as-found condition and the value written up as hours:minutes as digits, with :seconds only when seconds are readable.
9:25:35
